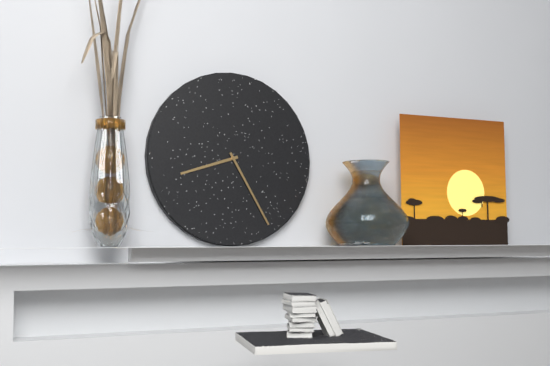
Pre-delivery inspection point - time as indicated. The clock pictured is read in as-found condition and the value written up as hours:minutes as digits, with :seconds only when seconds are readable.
8:25
